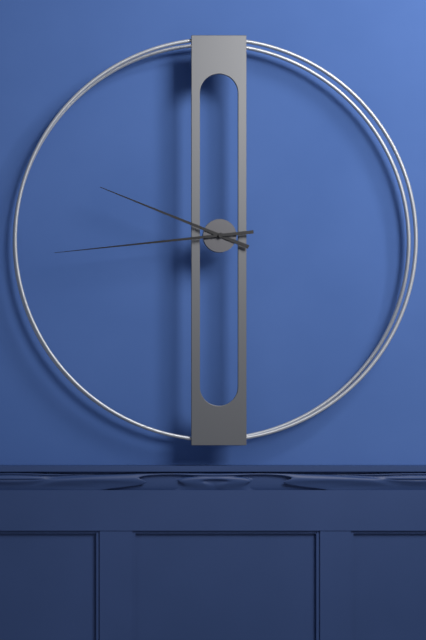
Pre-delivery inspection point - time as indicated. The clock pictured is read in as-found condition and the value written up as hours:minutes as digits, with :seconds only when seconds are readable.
9:44
